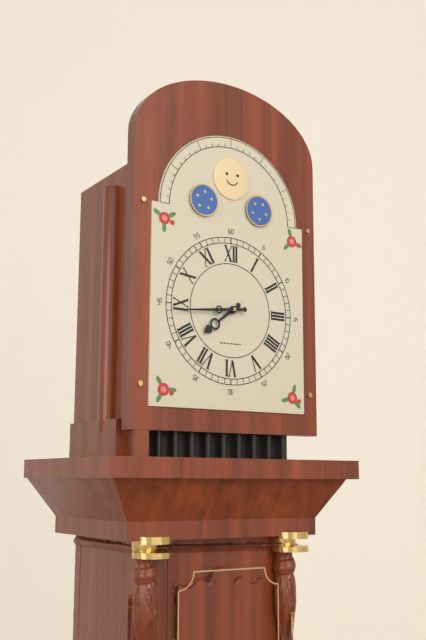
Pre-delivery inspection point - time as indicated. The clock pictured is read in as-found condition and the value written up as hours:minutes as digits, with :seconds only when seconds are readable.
7:44
